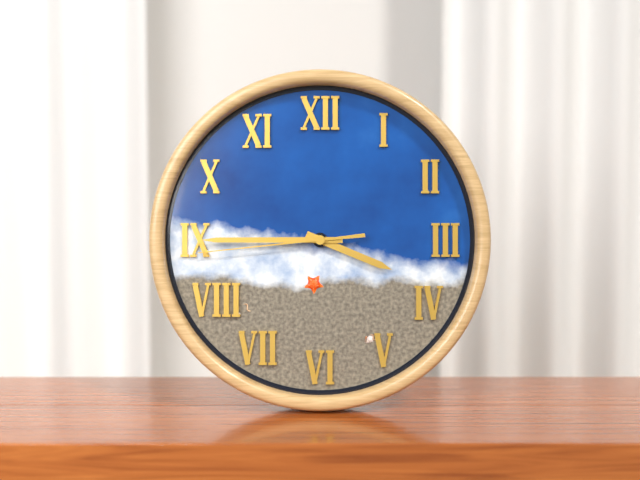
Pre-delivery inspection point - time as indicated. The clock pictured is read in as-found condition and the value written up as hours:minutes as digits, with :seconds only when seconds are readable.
3:45:44
